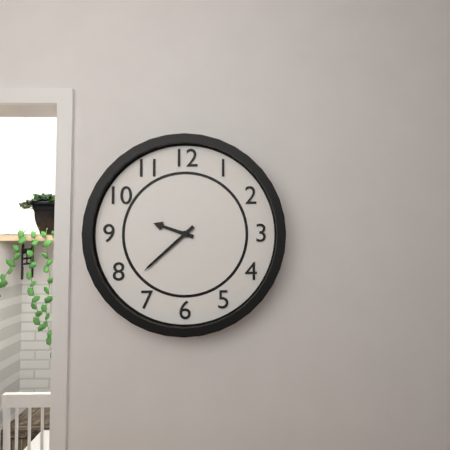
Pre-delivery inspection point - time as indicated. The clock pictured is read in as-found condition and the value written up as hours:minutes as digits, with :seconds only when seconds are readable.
9:38
